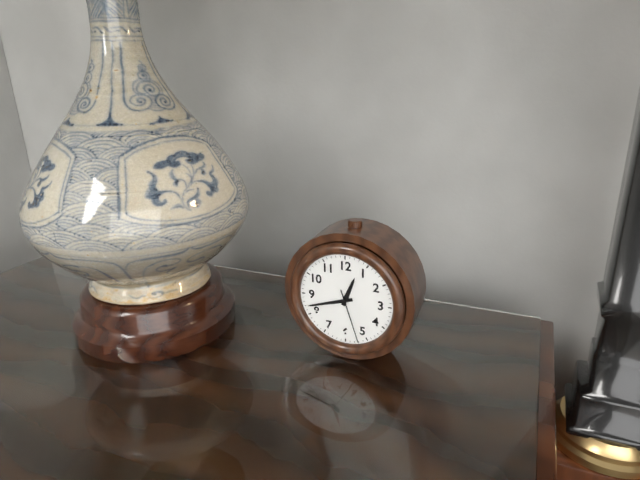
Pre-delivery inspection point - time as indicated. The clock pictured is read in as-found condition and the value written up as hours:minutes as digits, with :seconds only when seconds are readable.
12:42:27
